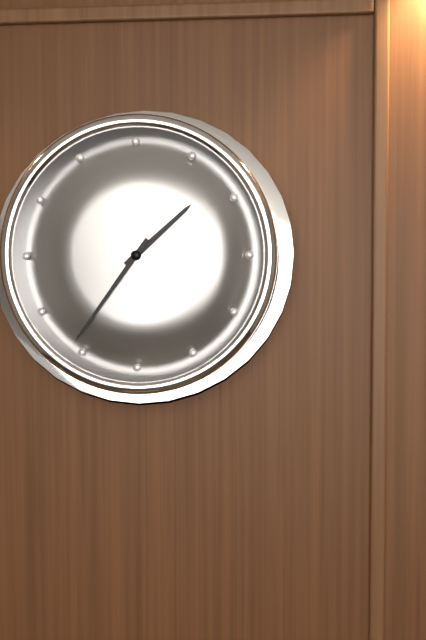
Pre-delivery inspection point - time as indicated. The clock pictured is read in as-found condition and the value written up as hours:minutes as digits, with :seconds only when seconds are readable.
1:36
